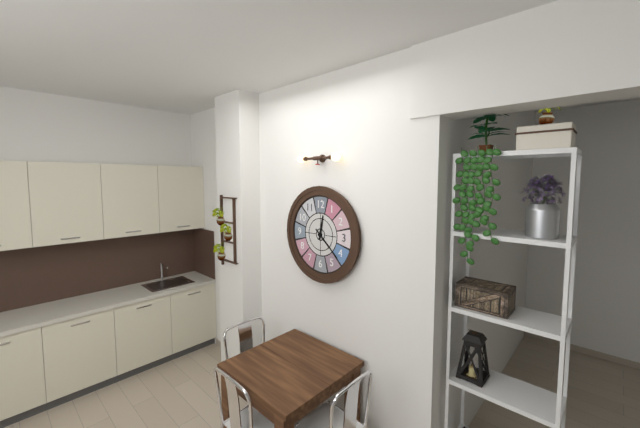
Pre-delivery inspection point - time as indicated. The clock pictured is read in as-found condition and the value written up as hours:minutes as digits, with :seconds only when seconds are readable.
12:22
